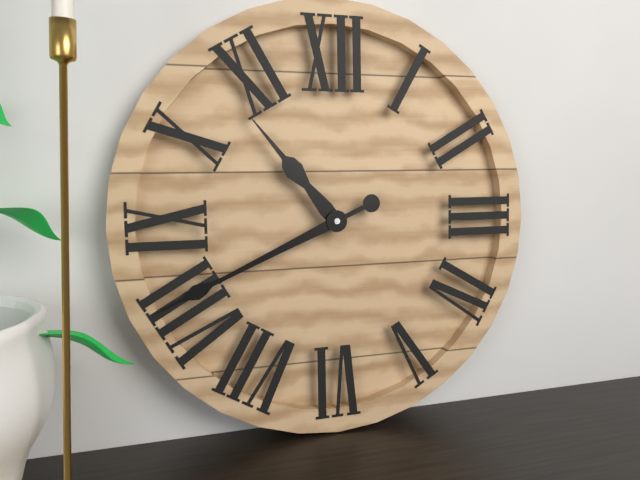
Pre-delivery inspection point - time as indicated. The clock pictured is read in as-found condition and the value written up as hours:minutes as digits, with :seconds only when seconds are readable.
10:41
